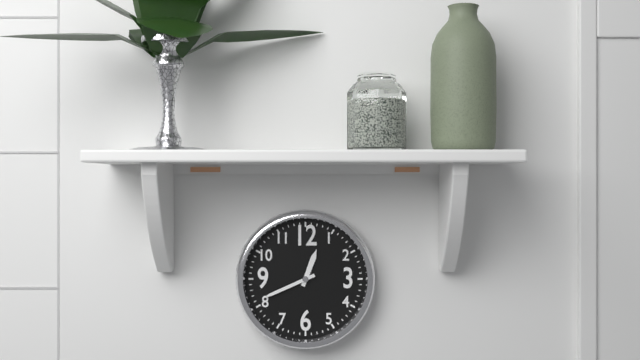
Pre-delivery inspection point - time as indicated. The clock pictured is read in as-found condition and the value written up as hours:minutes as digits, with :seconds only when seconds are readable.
12:41
